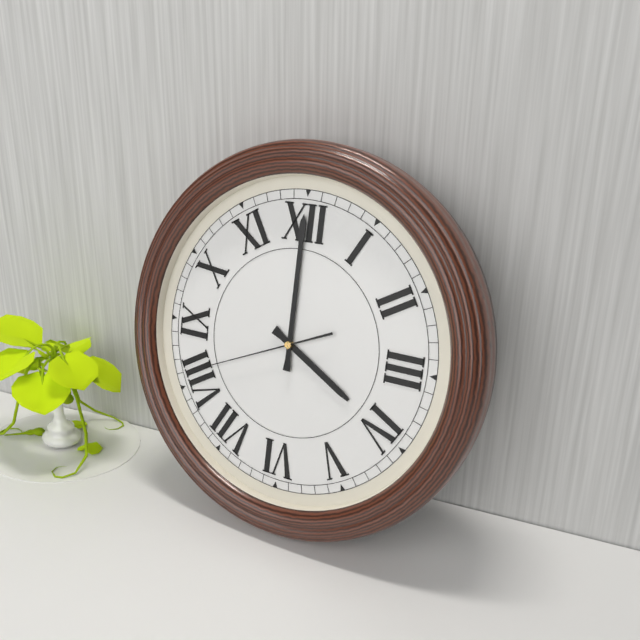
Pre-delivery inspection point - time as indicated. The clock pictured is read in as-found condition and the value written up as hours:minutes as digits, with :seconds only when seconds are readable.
4:00:41
